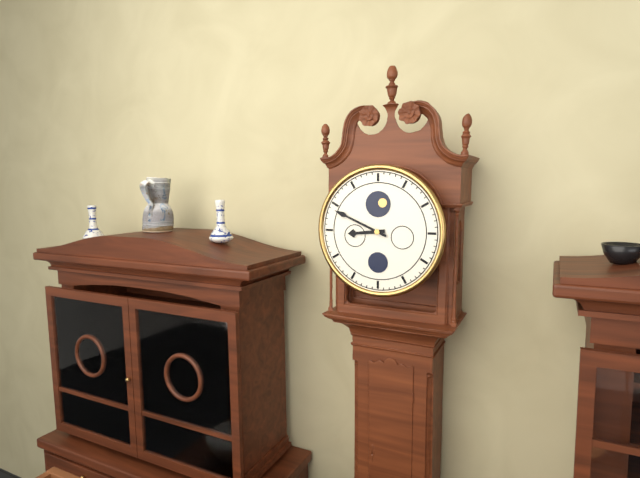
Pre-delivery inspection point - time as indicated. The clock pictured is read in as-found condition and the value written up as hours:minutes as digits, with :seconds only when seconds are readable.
8:49
